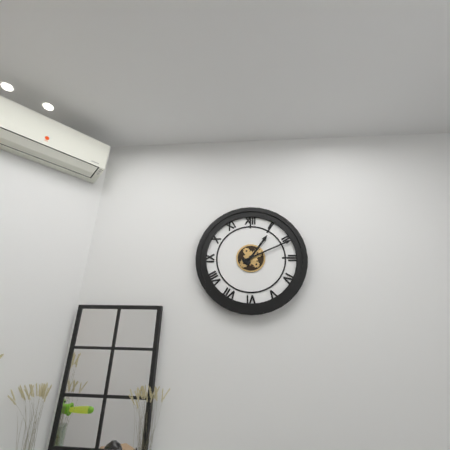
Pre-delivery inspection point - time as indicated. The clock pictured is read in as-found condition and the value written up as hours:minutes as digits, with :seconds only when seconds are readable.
1:11
